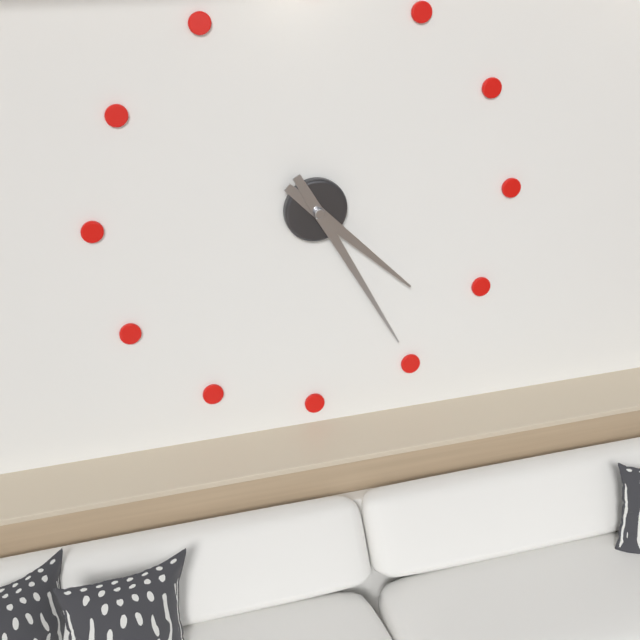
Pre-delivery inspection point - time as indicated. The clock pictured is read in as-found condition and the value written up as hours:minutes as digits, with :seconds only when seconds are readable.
4:25
